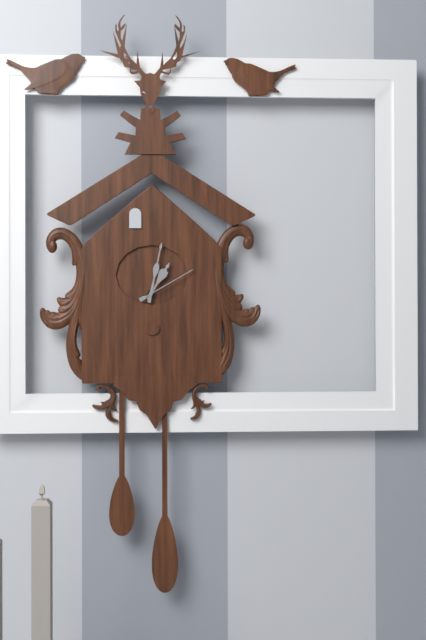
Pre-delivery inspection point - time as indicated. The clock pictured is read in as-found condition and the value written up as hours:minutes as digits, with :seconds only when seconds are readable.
1:02:10
